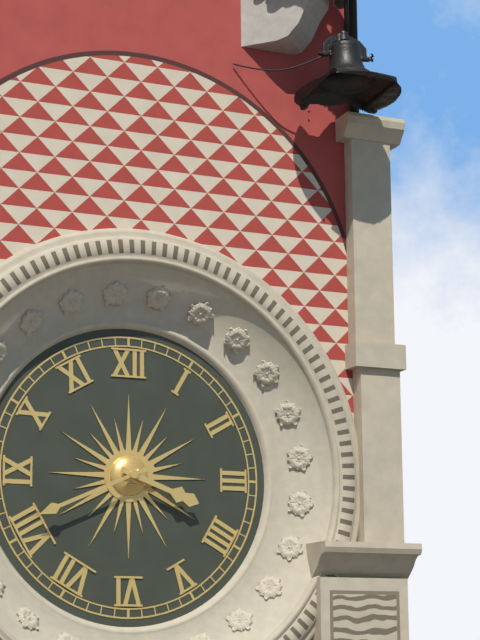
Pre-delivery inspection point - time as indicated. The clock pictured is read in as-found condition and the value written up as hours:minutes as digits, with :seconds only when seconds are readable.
3:41
